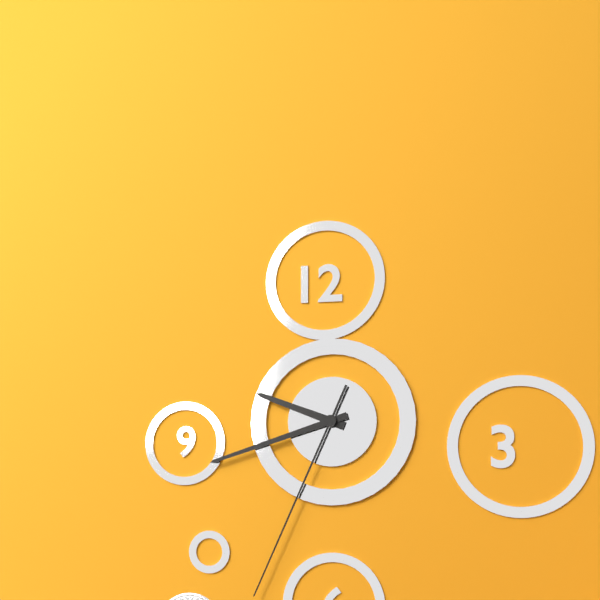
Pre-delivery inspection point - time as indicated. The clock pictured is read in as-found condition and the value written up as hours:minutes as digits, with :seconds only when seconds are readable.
9:42:34
